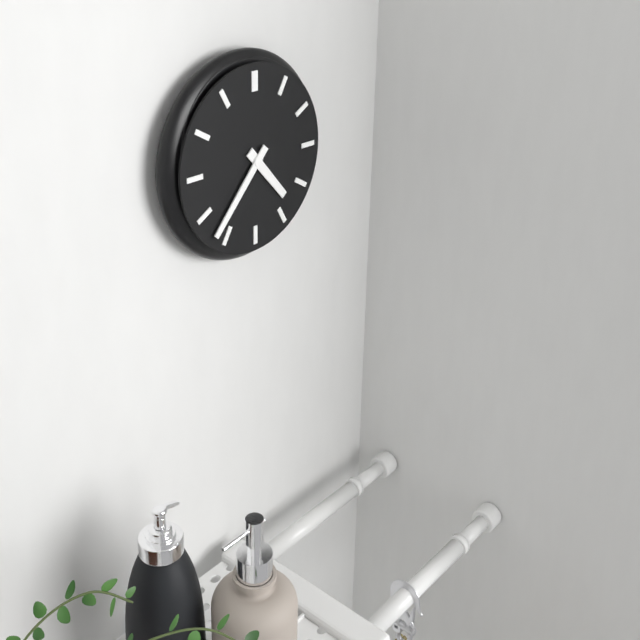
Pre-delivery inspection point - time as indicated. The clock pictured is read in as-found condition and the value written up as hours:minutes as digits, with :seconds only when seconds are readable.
4:37
